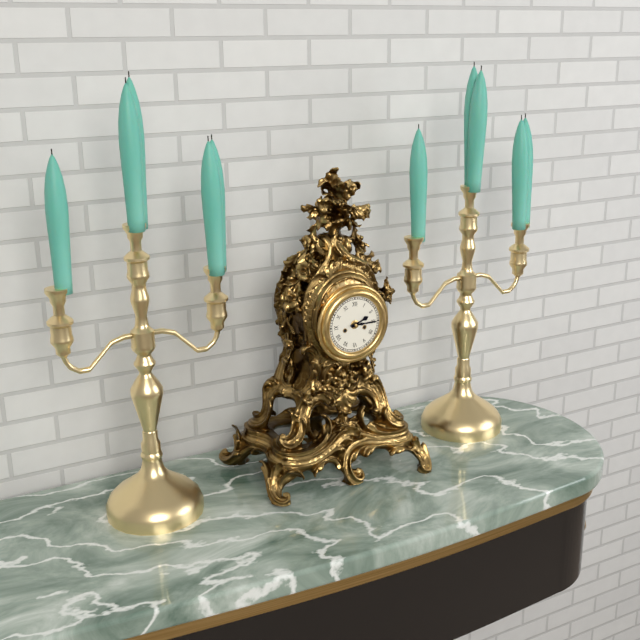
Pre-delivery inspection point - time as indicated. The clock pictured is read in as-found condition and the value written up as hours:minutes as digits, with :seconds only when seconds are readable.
2:15
